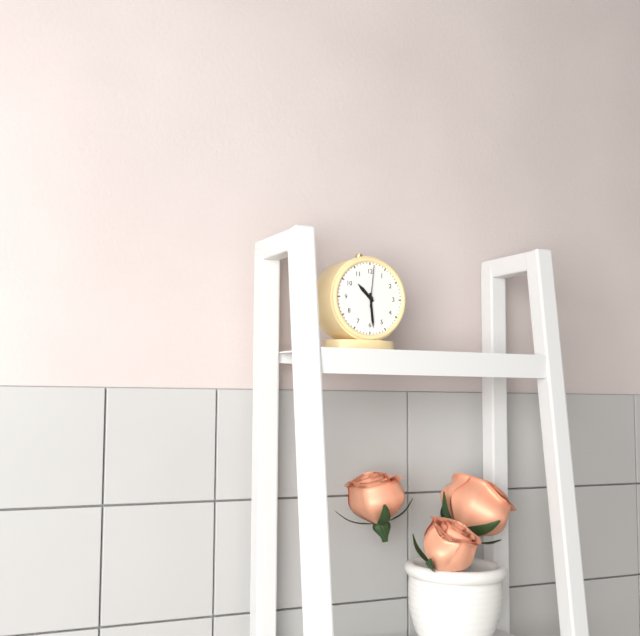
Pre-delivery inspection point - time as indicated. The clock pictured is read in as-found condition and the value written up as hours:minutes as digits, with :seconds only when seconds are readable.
10:29
